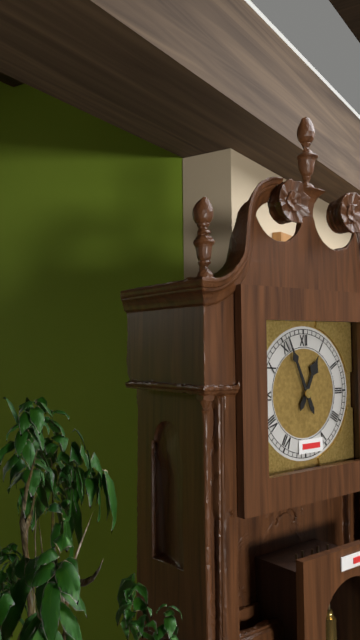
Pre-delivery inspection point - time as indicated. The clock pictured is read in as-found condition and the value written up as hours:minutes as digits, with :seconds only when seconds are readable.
12:56
